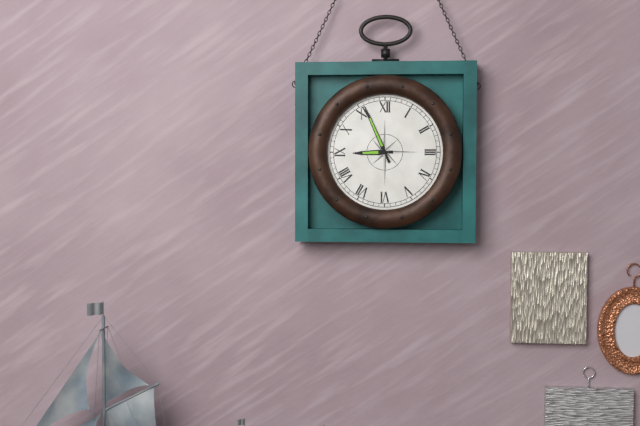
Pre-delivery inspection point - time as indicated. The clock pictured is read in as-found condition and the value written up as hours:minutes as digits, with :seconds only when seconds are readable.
8:56
